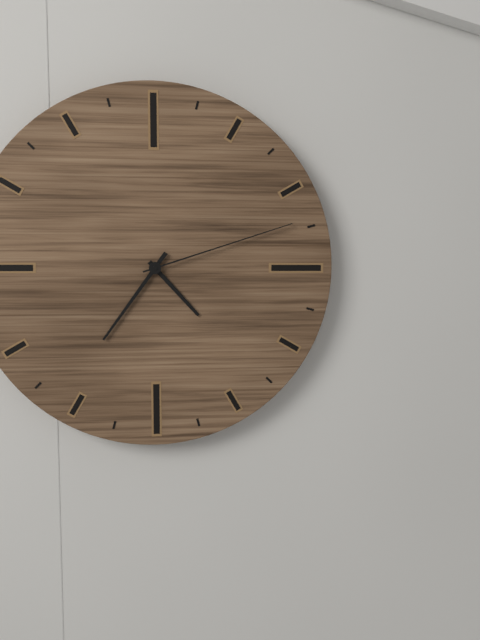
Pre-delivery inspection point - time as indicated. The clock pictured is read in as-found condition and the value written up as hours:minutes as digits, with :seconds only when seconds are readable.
4:36:12
